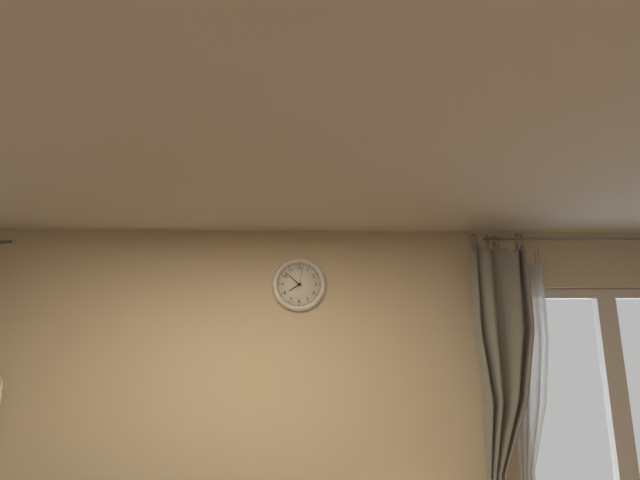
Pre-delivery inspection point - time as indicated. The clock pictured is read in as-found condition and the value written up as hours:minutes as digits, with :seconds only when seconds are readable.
7:52
